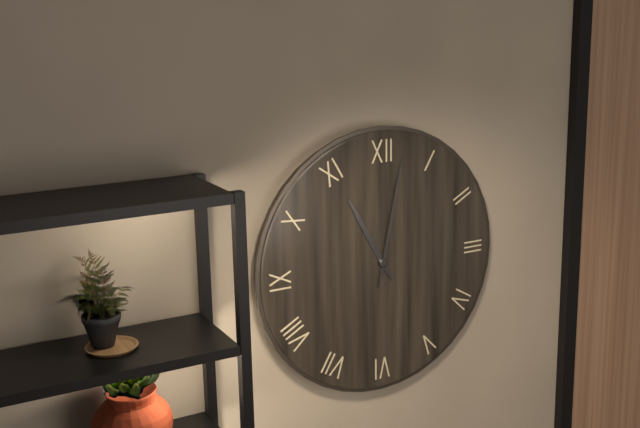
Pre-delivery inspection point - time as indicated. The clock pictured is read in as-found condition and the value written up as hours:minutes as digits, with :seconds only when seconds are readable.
11:02
